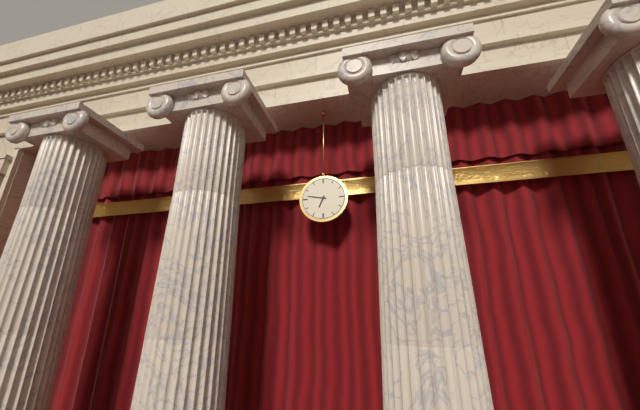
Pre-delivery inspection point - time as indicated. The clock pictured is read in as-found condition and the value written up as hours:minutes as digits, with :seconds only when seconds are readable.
6:47
